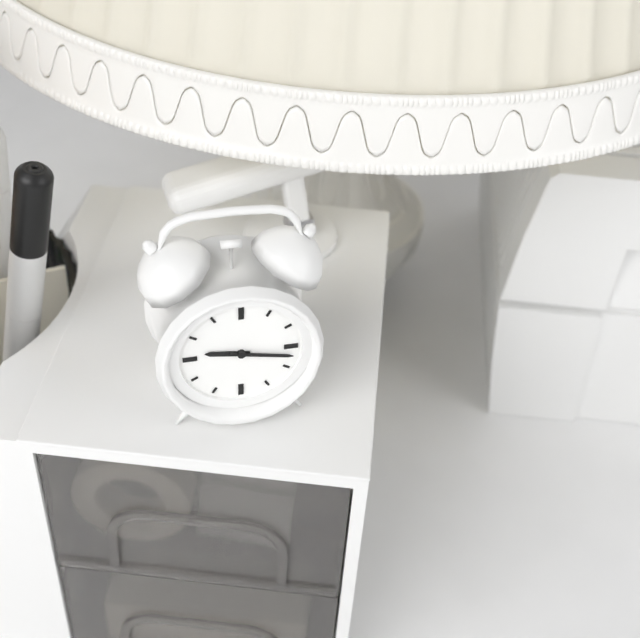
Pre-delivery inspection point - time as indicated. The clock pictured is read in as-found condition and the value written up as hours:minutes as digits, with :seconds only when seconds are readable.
9:17
